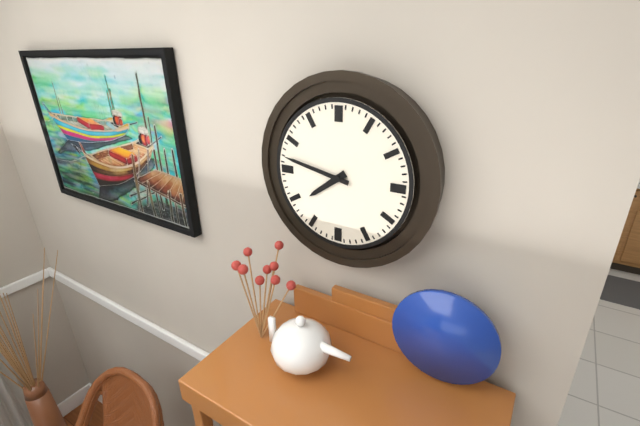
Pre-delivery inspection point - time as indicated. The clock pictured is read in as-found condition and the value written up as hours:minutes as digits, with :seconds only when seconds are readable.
7:47
